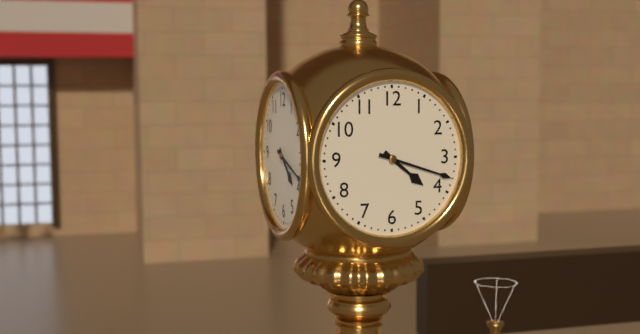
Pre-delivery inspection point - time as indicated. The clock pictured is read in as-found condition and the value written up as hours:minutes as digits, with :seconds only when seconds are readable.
4:18
